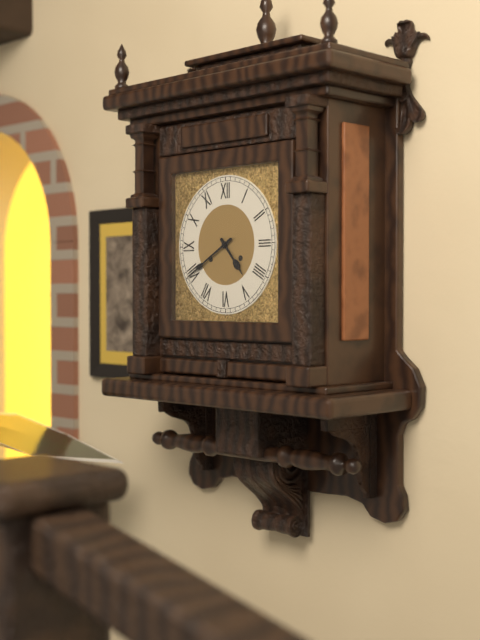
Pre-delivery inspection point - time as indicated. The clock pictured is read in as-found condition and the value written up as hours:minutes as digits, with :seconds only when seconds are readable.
4:40
